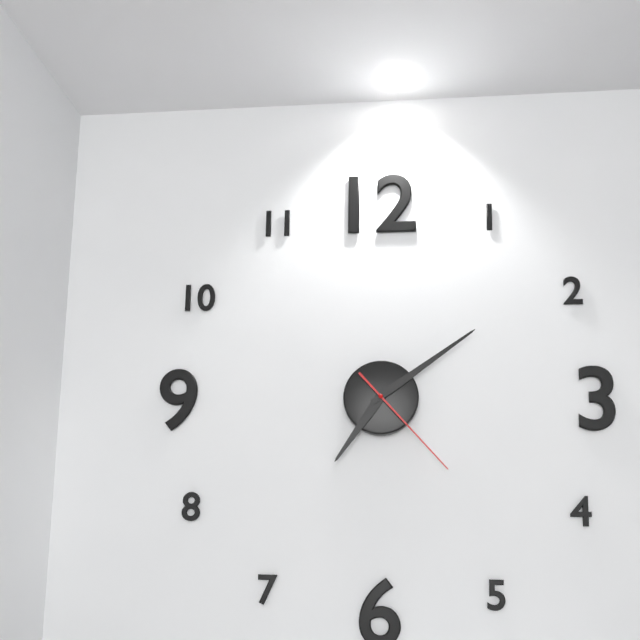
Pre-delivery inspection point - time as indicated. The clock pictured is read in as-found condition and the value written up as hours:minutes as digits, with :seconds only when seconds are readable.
7:09:23
